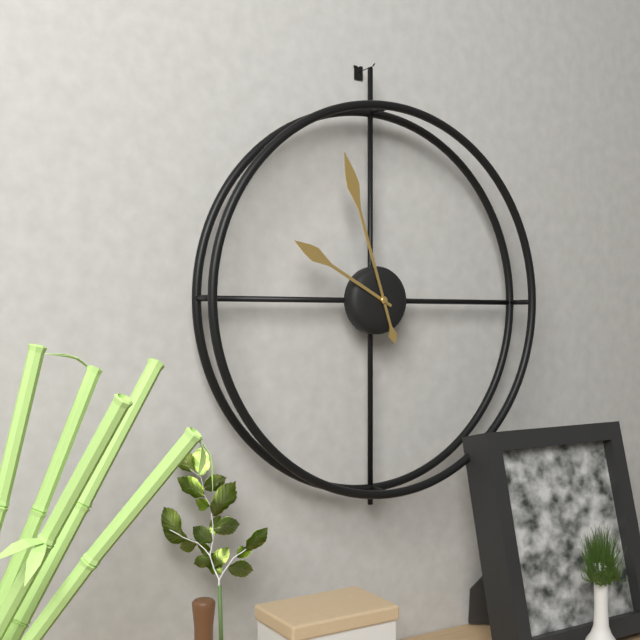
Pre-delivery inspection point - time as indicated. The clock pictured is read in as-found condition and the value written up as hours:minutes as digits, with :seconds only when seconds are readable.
9:57
